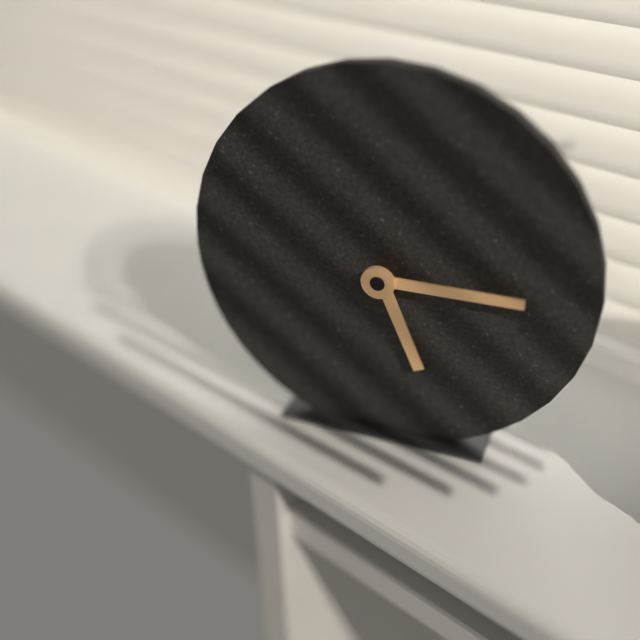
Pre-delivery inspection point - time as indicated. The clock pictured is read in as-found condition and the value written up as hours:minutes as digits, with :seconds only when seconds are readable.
5:15
